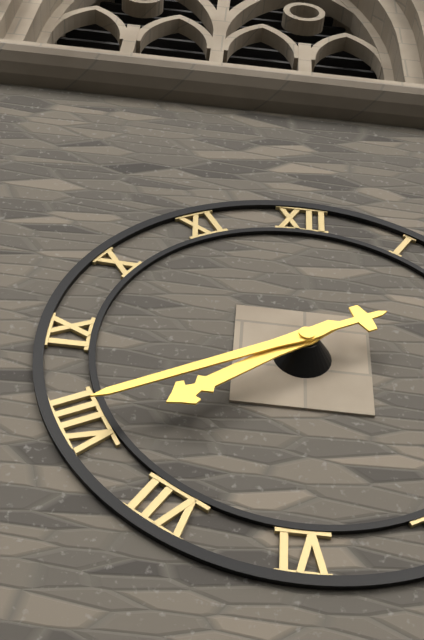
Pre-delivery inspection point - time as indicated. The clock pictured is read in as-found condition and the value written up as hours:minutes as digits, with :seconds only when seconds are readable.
7:40
